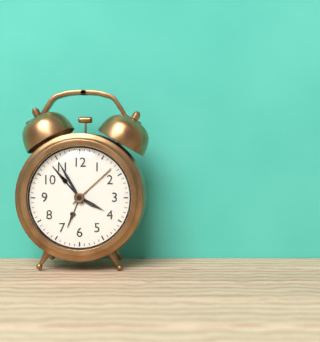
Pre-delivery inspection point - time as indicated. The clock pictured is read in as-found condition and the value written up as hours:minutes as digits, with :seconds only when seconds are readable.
3:55
